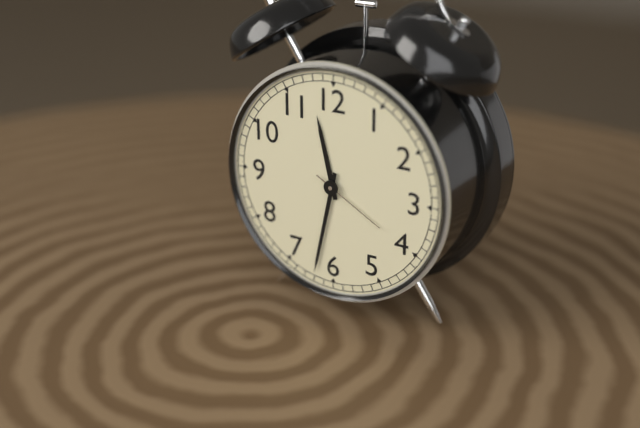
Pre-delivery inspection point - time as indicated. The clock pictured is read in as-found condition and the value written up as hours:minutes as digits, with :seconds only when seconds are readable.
11:32:20
